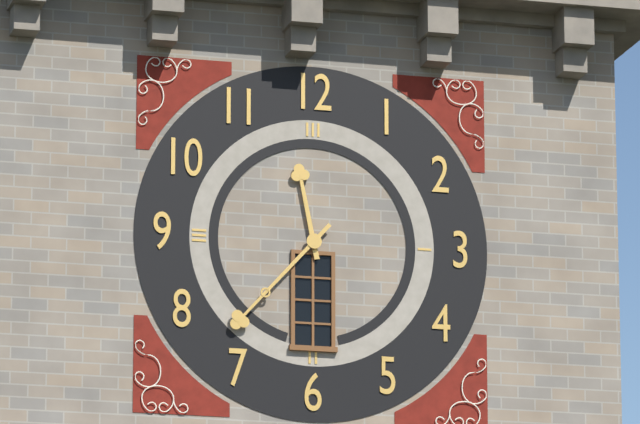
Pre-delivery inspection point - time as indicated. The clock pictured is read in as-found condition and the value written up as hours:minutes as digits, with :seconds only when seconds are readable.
11:37
